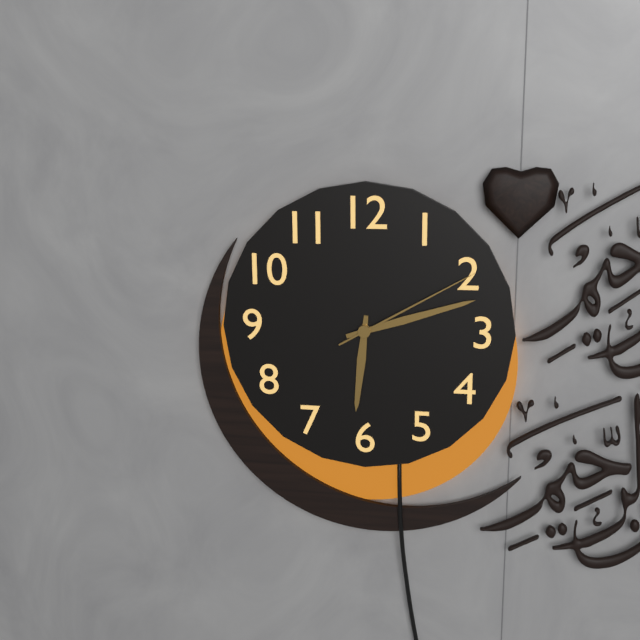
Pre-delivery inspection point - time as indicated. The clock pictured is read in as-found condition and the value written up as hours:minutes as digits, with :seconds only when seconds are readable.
6:12:10
